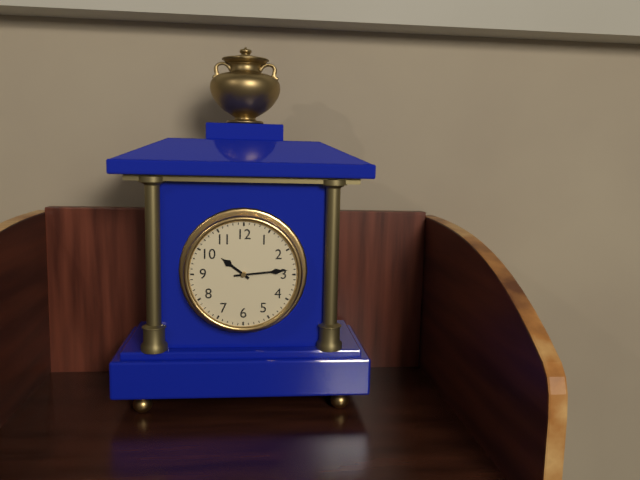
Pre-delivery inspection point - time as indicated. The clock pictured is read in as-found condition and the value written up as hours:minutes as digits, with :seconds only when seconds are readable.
10:14
